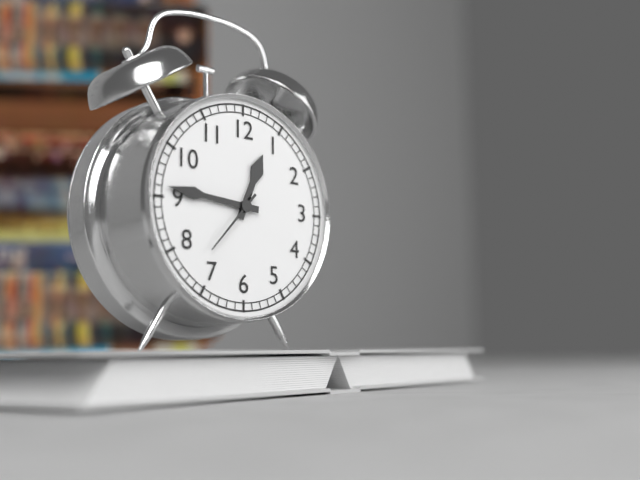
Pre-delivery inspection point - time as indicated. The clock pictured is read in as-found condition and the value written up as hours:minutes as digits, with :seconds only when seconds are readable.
12:46:37
